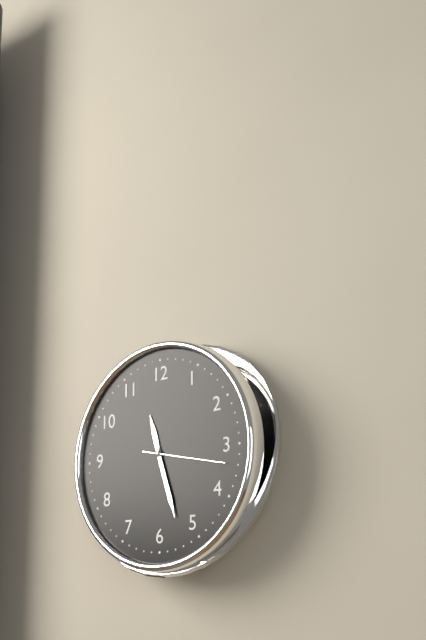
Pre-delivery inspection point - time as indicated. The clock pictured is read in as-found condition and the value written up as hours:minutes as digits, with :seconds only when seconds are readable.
11:27:17
